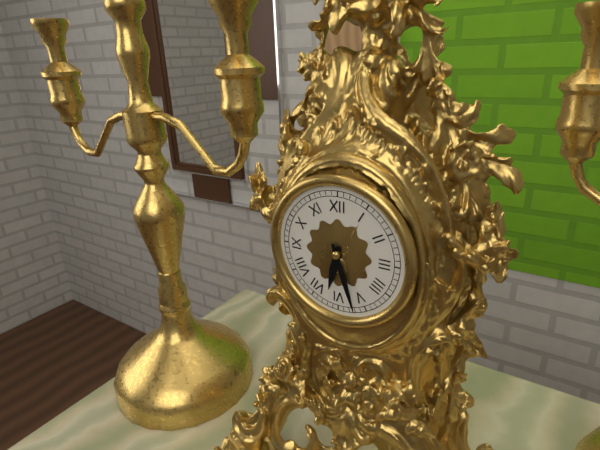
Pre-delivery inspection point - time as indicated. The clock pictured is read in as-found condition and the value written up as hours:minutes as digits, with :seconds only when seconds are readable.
6:27
